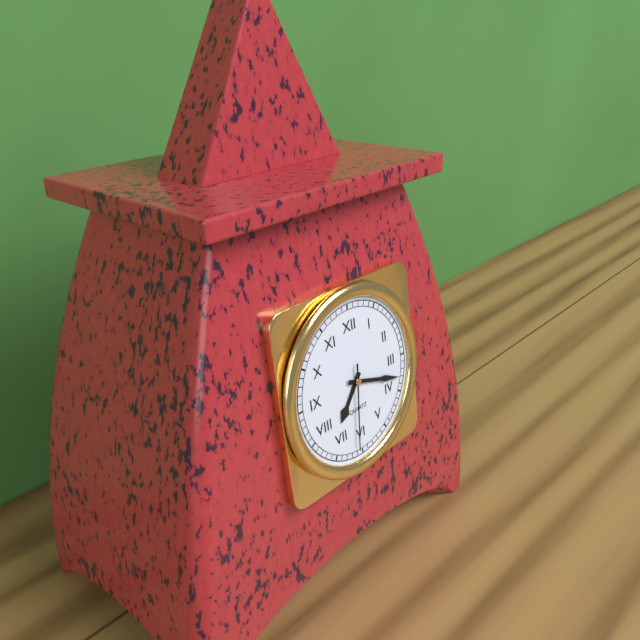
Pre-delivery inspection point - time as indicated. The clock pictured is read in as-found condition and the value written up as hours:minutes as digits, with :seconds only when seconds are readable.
7:18:31
